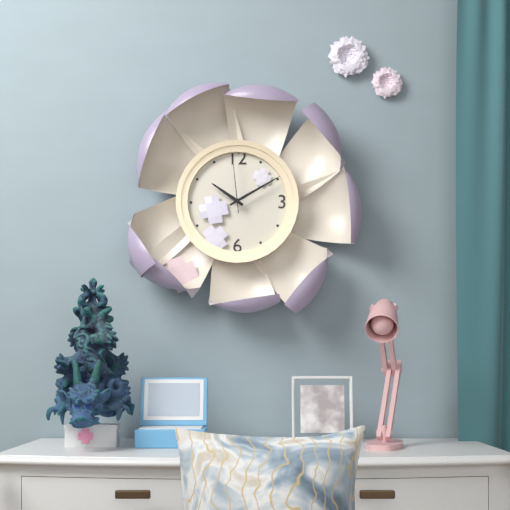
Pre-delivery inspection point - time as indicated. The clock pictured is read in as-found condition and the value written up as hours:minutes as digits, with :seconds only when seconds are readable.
10:10:59
